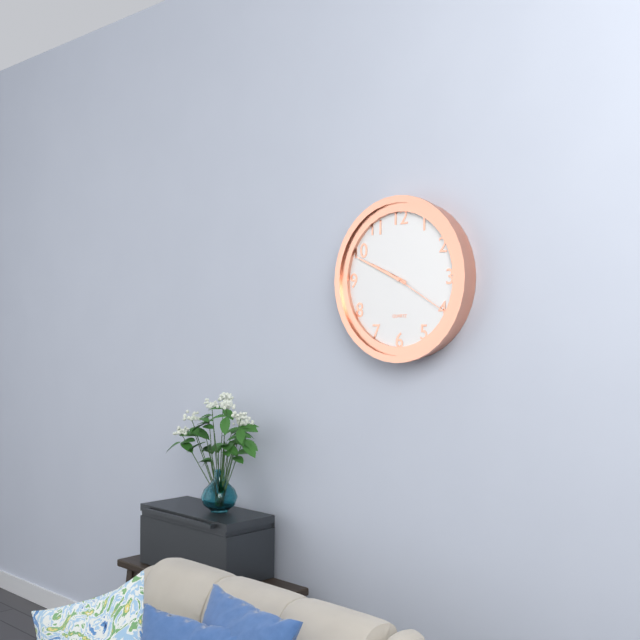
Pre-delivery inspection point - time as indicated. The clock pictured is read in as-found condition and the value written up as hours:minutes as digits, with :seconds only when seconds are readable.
9:49:20
